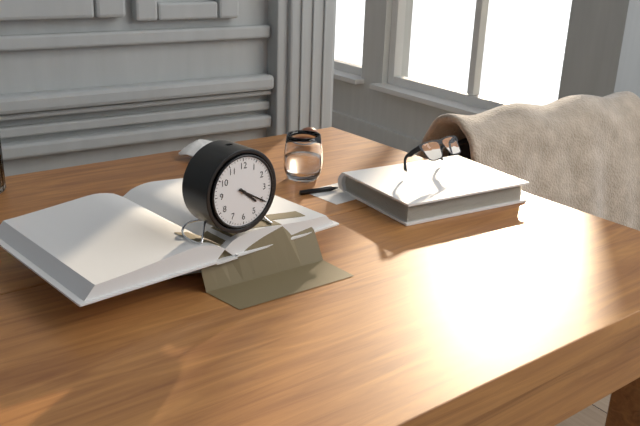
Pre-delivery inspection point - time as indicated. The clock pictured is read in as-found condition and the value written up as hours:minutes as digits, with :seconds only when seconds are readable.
4:20
